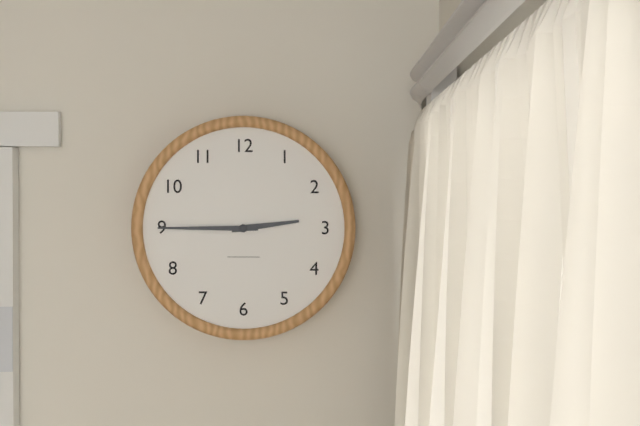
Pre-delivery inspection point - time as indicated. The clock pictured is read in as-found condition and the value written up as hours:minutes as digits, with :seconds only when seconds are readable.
2:45
